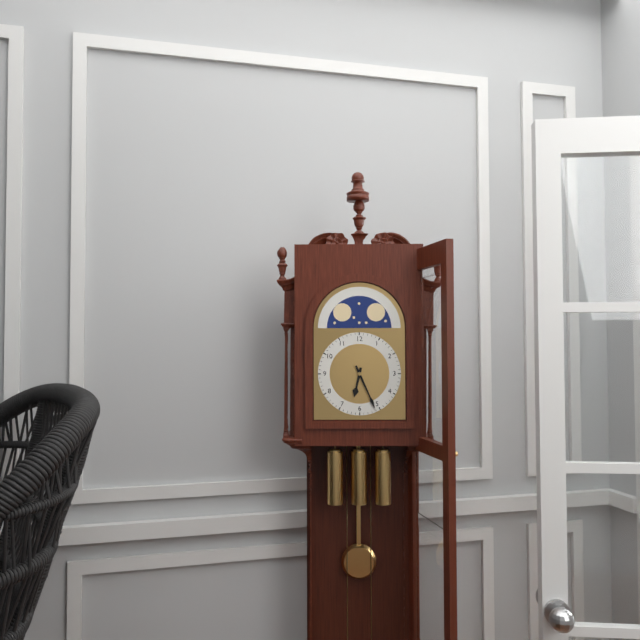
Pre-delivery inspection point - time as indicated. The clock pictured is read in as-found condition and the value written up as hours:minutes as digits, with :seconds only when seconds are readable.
6:26
